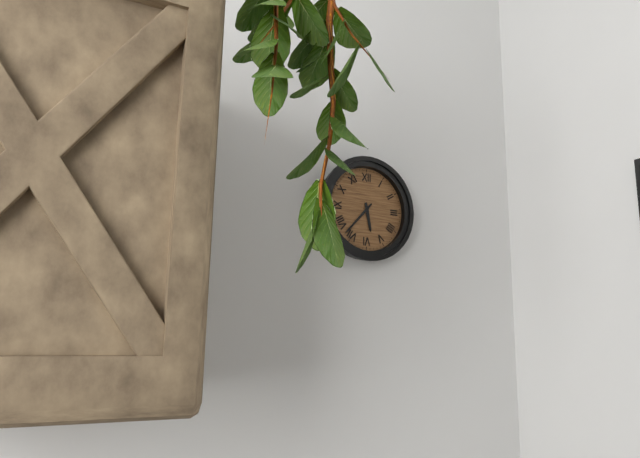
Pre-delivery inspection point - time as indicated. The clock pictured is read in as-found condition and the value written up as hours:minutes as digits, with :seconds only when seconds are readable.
5:37
